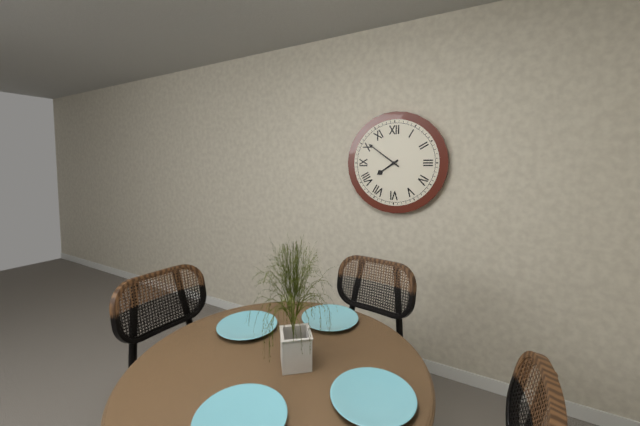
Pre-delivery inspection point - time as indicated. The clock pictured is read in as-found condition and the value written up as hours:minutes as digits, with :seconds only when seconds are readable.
7:51
